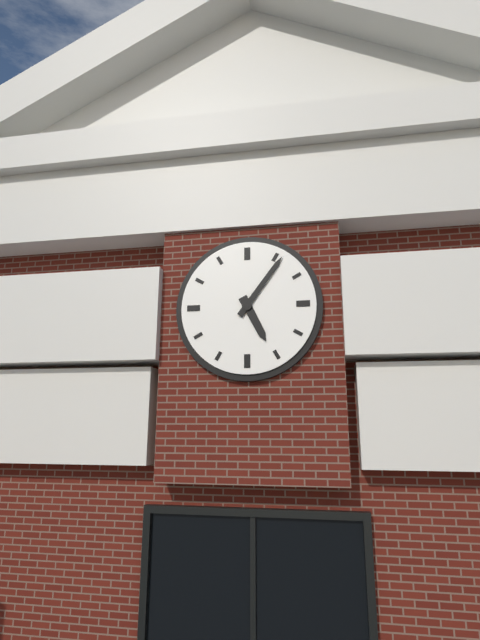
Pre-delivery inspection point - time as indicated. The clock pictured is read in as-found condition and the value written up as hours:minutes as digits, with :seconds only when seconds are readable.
5:06
